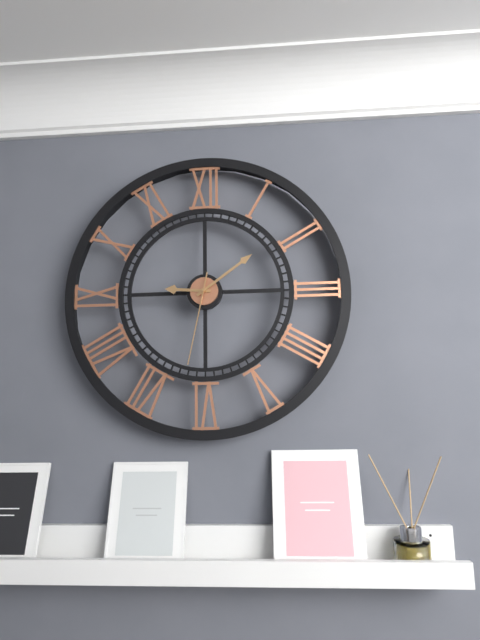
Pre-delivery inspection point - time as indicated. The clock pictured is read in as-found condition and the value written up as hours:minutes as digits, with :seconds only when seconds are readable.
9:09:32
